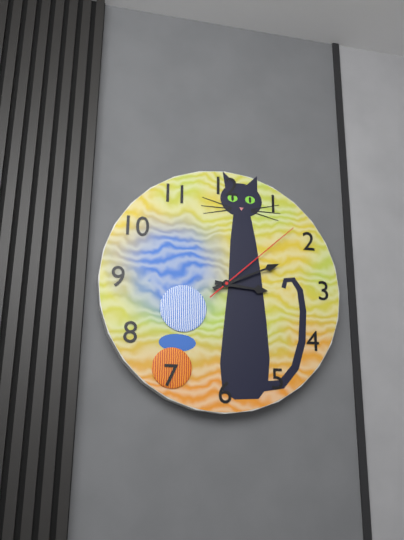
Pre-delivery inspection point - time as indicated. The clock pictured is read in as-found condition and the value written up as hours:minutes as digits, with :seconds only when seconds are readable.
3:11:08
